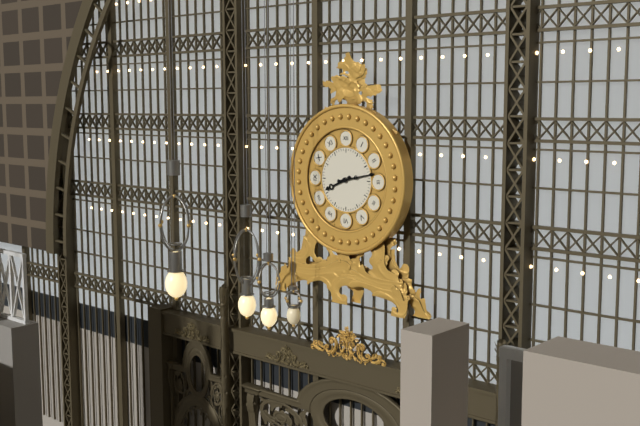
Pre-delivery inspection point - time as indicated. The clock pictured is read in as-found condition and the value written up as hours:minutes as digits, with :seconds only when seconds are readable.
8:13
